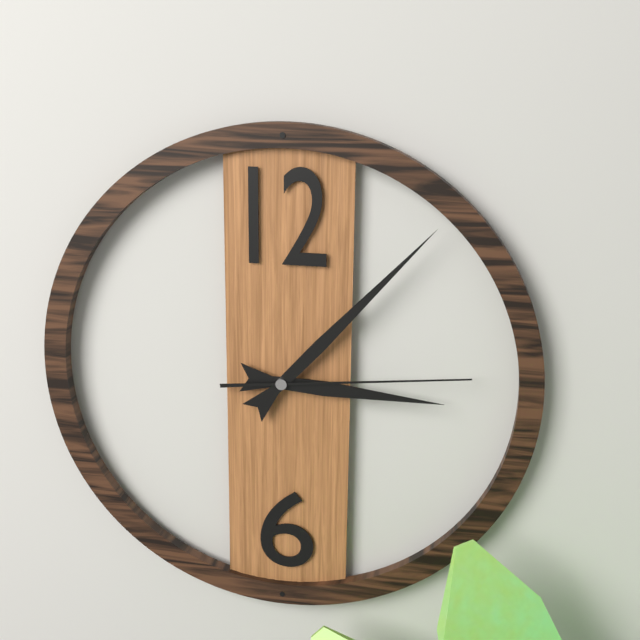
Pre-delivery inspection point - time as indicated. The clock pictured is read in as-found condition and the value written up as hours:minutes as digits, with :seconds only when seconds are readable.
3:07:14
